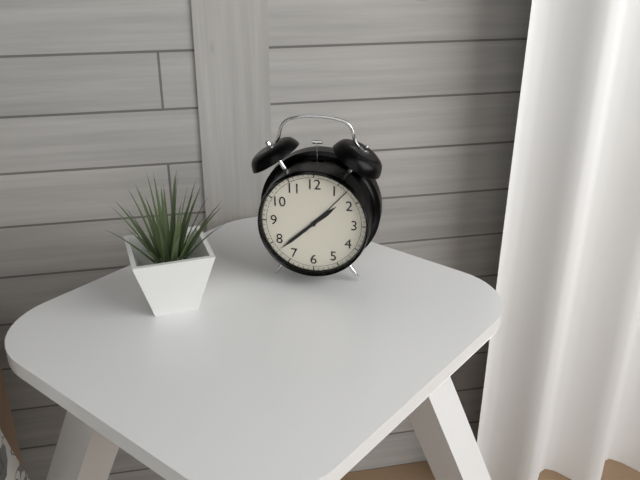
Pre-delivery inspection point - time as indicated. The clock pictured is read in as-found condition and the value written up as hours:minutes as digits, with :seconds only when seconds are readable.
1:38:07
